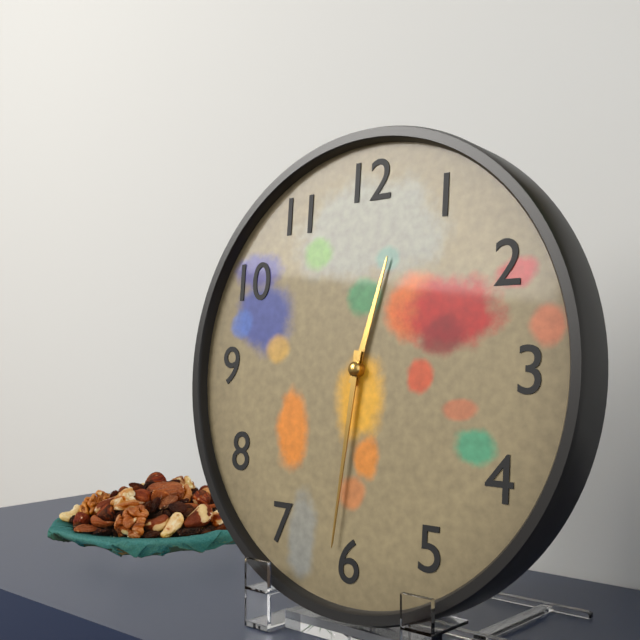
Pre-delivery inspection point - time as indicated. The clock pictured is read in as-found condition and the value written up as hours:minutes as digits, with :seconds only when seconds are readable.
12:31
